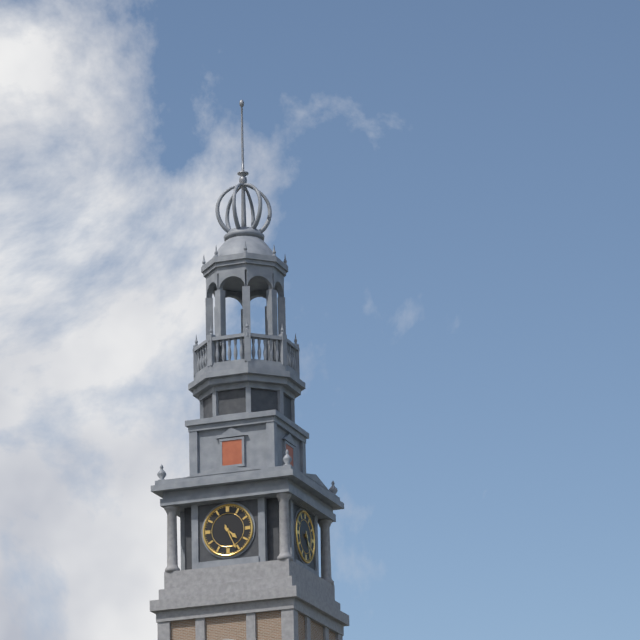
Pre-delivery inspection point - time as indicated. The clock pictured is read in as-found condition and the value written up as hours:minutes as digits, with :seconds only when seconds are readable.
4:26
